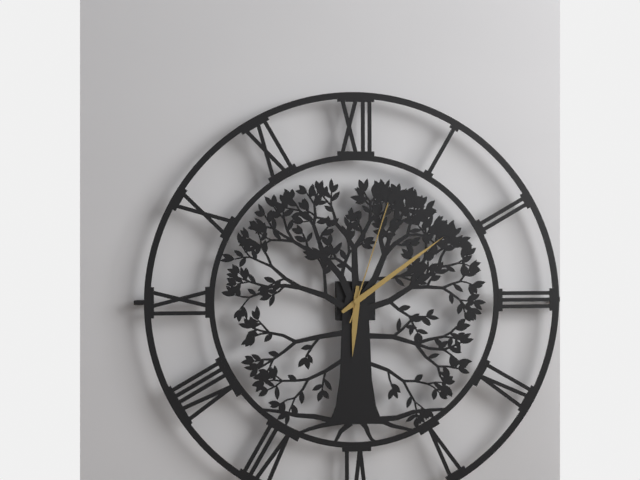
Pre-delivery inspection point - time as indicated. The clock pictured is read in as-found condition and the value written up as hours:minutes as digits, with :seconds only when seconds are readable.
6:09:03
